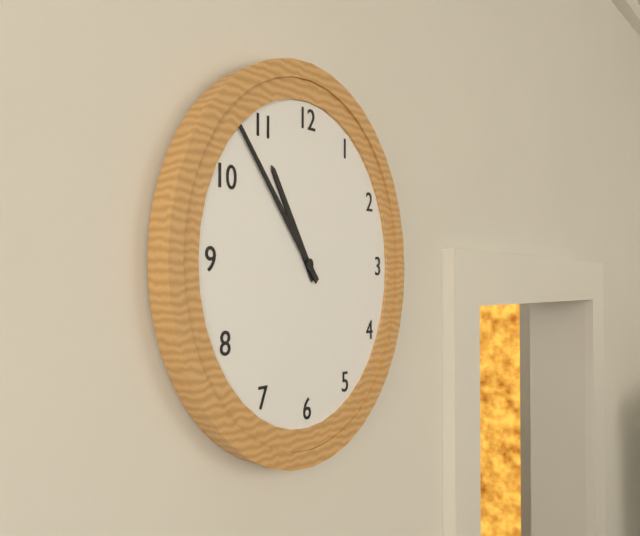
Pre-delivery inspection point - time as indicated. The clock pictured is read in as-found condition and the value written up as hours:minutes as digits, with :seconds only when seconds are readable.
10:53
